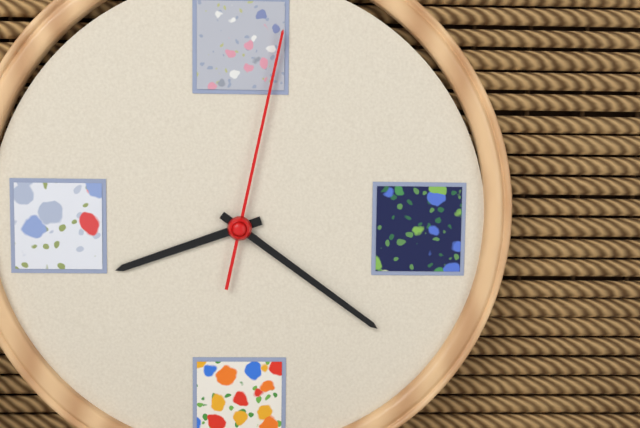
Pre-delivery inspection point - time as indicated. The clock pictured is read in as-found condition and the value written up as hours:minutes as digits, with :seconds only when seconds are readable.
8:21:02
